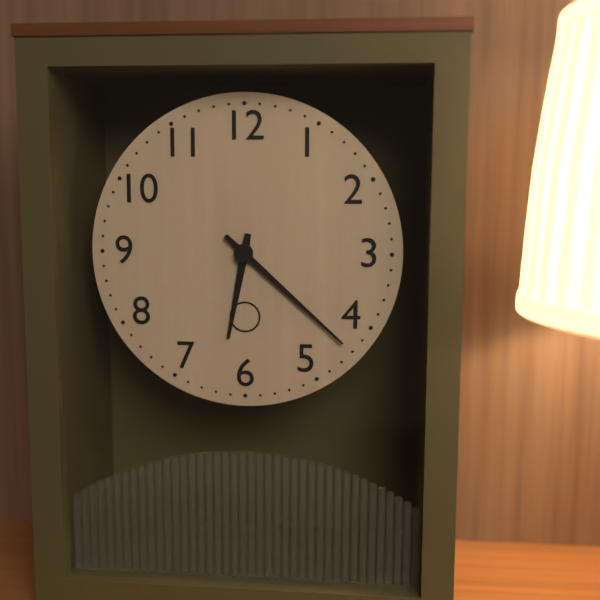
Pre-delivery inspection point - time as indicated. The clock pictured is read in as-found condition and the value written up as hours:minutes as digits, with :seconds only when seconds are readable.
6:22
